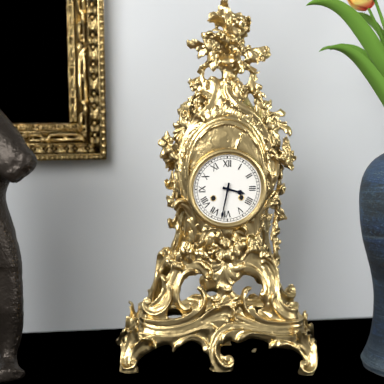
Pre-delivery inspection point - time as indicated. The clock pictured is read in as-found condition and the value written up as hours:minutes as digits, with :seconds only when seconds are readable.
3:32
